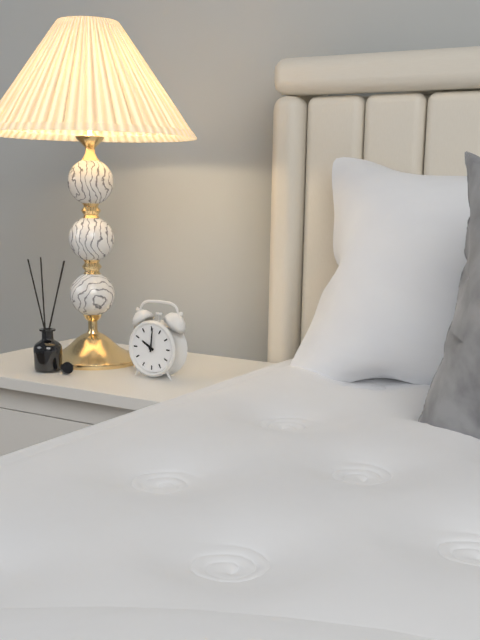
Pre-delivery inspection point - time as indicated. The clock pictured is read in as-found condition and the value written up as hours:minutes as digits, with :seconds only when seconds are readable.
10:01
